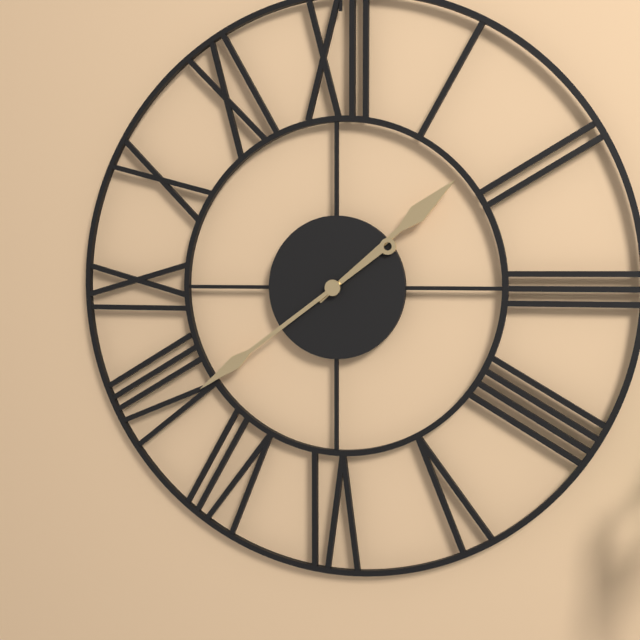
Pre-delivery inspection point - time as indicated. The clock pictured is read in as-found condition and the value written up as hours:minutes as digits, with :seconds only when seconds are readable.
1:39
